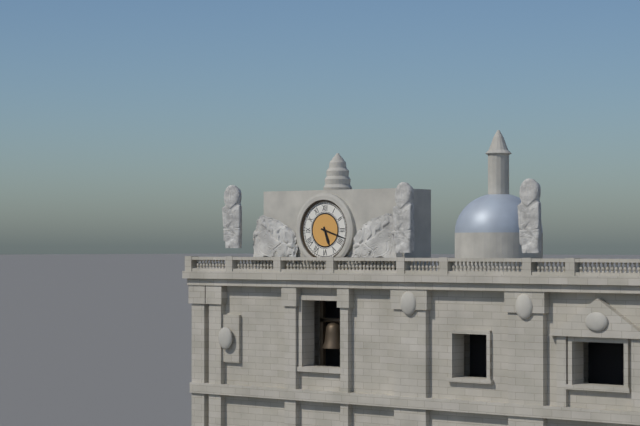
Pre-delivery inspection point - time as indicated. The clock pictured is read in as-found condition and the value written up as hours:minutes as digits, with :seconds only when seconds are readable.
5:18
